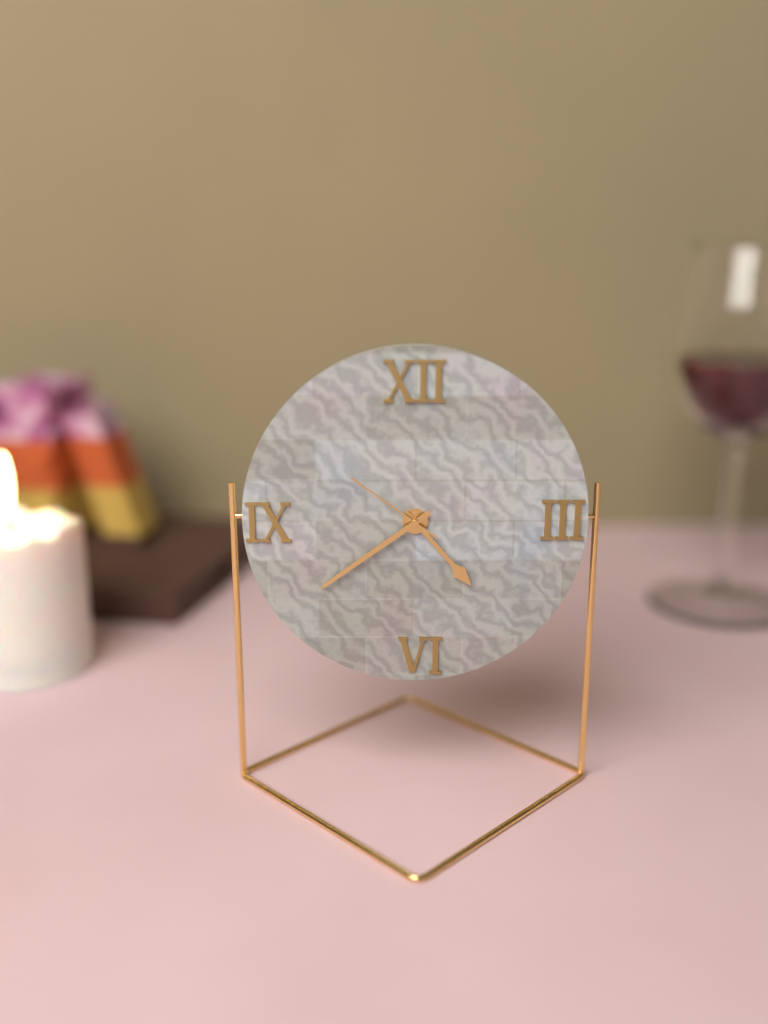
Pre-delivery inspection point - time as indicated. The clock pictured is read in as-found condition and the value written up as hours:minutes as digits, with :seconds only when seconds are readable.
4:39:51
